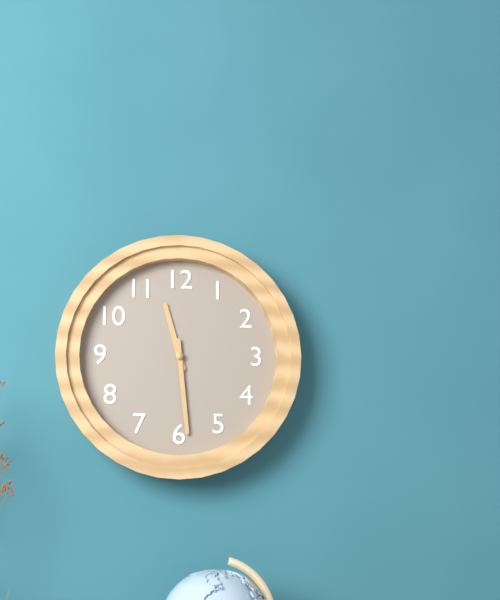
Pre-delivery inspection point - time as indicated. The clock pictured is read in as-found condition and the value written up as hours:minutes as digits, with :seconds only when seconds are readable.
11:29
